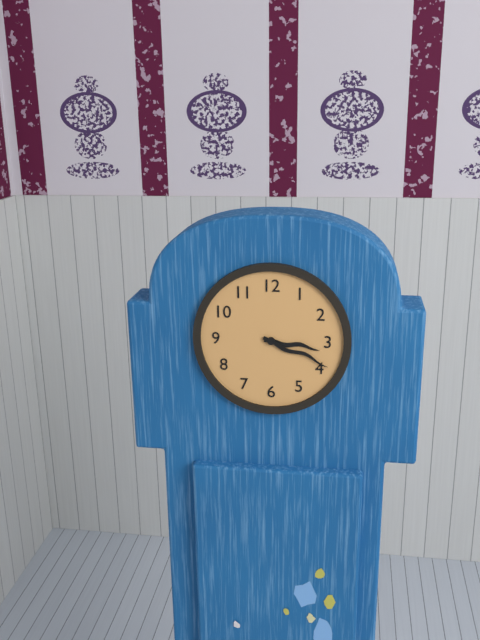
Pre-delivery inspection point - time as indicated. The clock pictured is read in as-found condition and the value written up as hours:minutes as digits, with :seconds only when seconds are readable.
3:19
